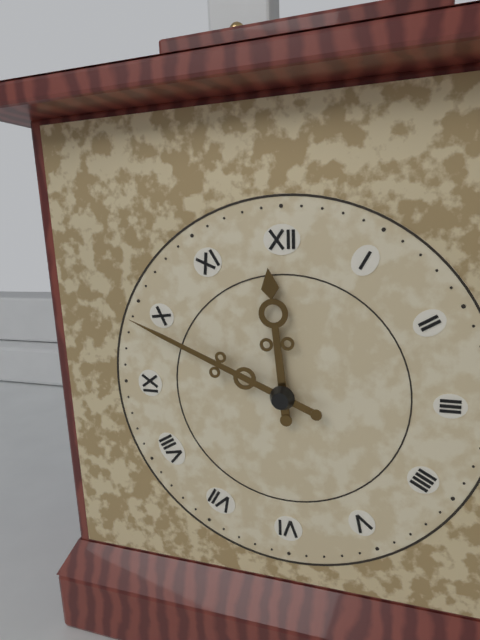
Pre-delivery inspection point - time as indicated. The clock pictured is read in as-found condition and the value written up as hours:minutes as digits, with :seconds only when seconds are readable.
11:49
